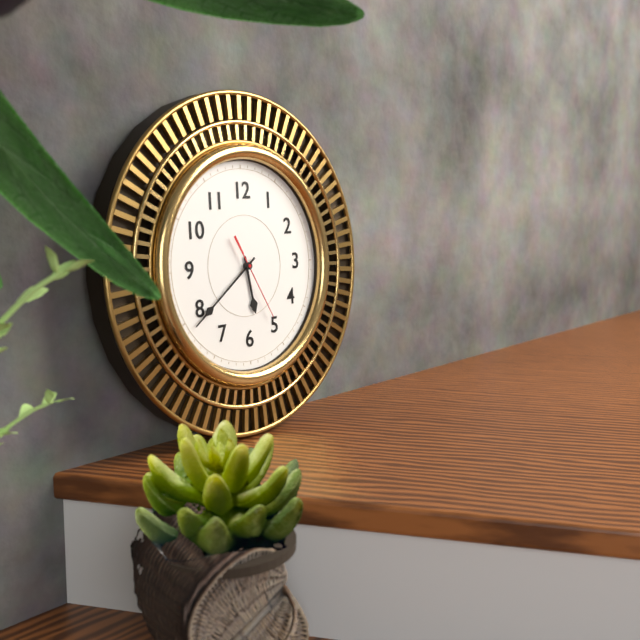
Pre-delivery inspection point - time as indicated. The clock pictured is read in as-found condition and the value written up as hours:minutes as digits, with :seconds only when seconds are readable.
5:39:25
